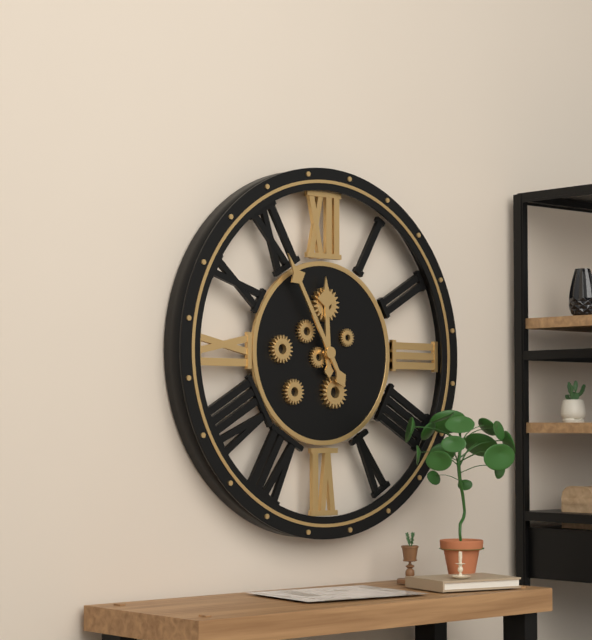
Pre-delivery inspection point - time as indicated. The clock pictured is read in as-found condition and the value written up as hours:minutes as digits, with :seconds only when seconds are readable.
11:55
